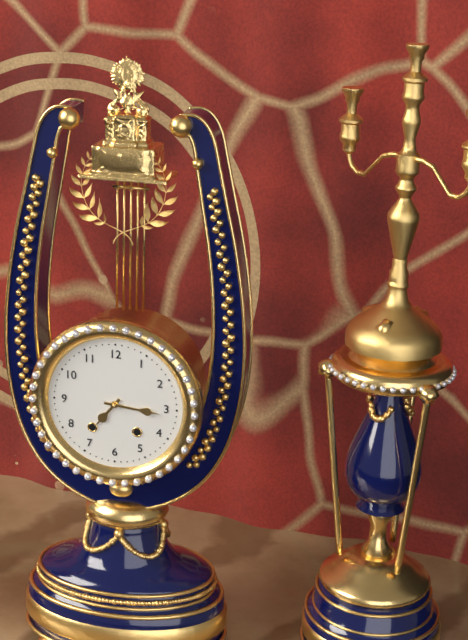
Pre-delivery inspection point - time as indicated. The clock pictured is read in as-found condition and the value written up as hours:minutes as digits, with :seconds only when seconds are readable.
7:16
